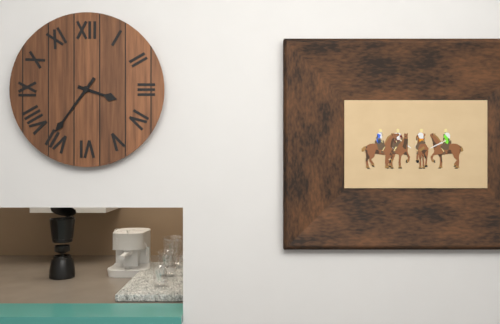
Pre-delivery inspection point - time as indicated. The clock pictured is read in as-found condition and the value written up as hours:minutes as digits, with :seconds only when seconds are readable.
3:36
